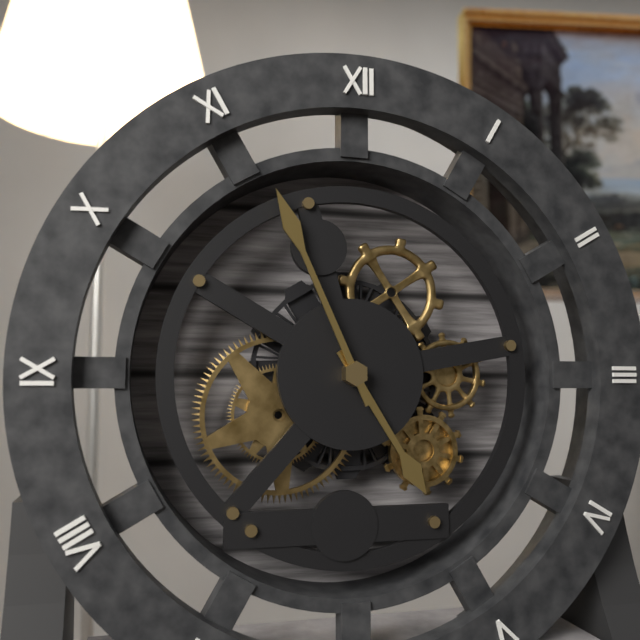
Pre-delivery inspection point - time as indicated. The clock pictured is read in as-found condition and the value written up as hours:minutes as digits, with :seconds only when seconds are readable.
4:56
